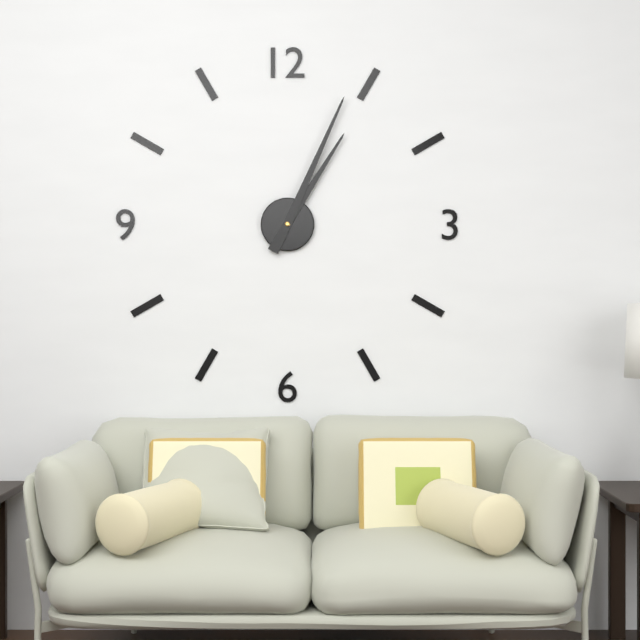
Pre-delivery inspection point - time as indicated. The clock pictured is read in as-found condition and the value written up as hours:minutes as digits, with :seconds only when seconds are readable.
1:04
